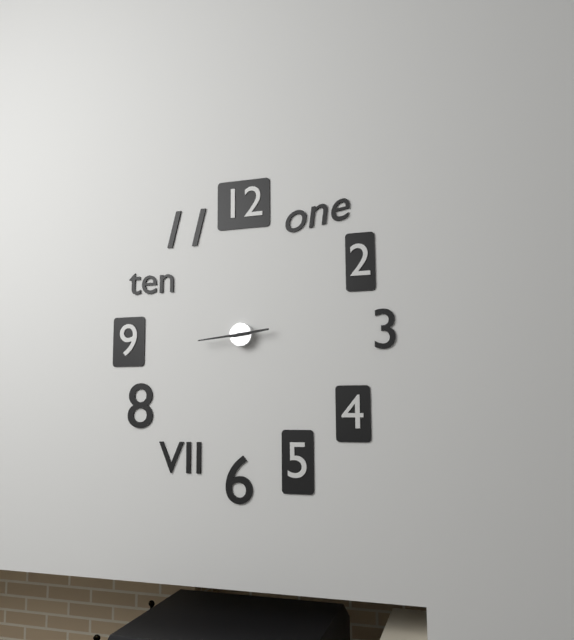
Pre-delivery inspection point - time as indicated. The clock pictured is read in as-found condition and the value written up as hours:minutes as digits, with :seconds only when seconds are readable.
2:44
